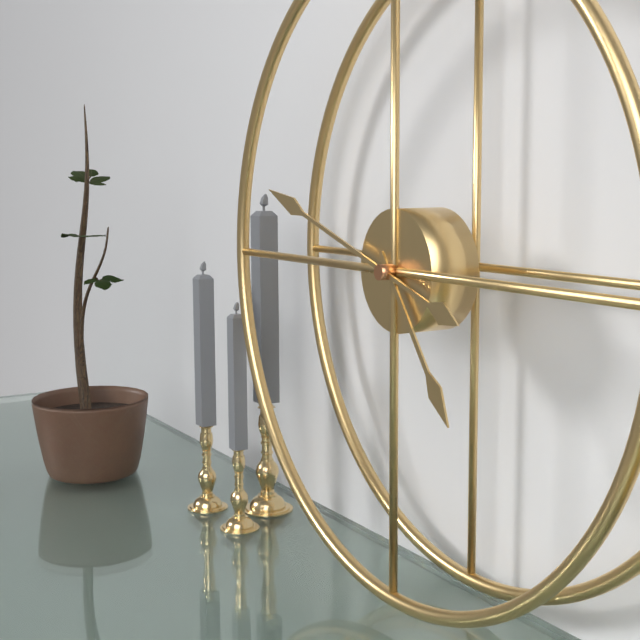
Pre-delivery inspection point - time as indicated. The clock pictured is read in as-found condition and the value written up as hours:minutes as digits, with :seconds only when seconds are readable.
4:48
